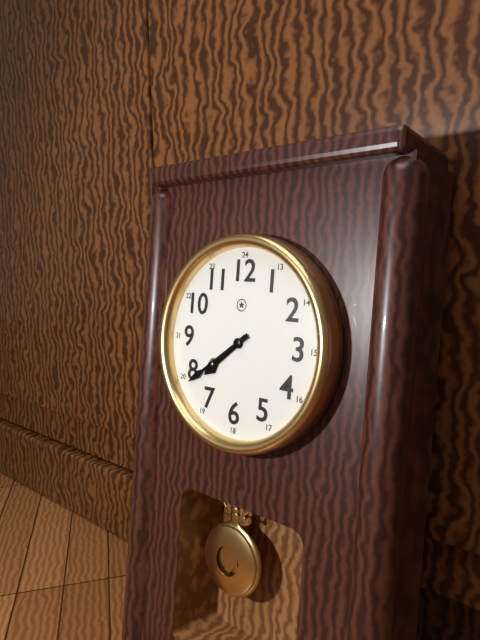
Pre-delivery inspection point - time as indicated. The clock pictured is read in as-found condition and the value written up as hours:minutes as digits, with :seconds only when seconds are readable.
7:39
